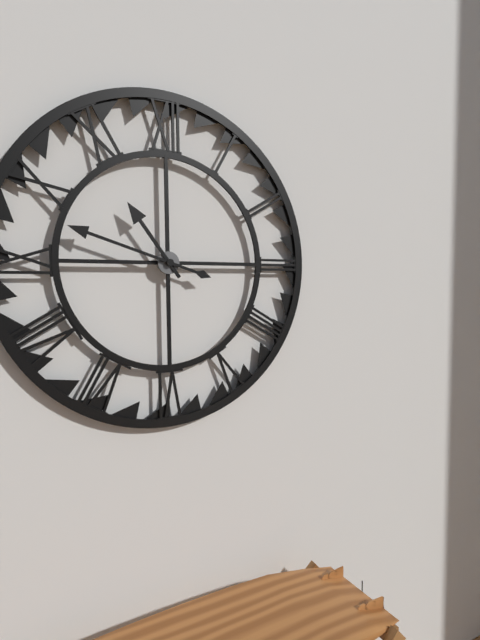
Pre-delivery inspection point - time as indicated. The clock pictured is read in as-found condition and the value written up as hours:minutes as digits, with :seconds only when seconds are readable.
10:48
